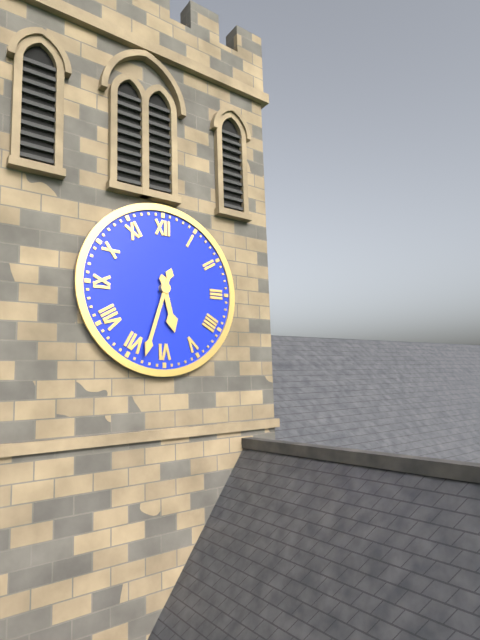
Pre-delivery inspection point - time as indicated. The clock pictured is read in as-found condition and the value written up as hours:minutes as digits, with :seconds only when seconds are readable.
5:33
